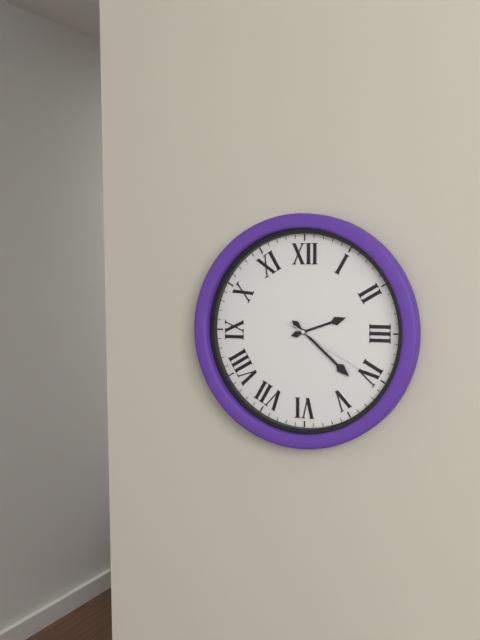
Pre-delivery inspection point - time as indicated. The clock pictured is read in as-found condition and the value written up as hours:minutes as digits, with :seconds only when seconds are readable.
2:22:20
